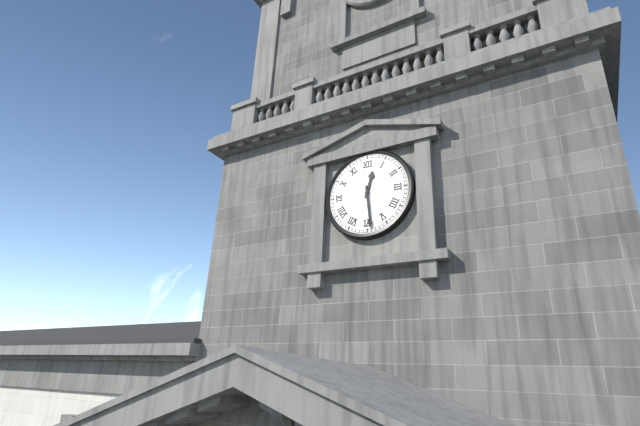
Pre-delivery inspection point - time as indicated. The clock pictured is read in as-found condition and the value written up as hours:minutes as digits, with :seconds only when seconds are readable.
12:29
